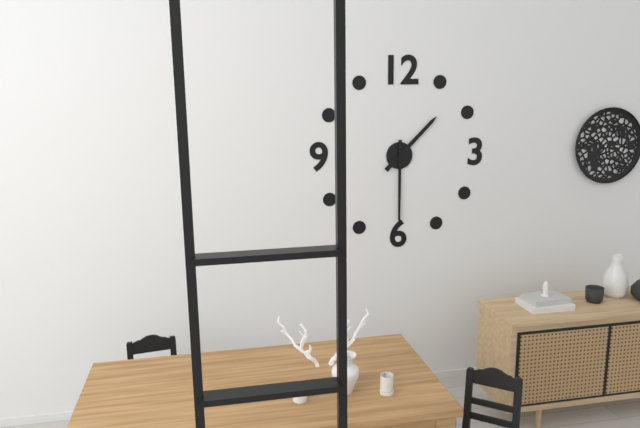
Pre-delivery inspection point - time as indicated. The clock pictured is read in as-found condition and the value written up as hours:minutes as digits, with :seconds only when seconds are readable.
1:30
